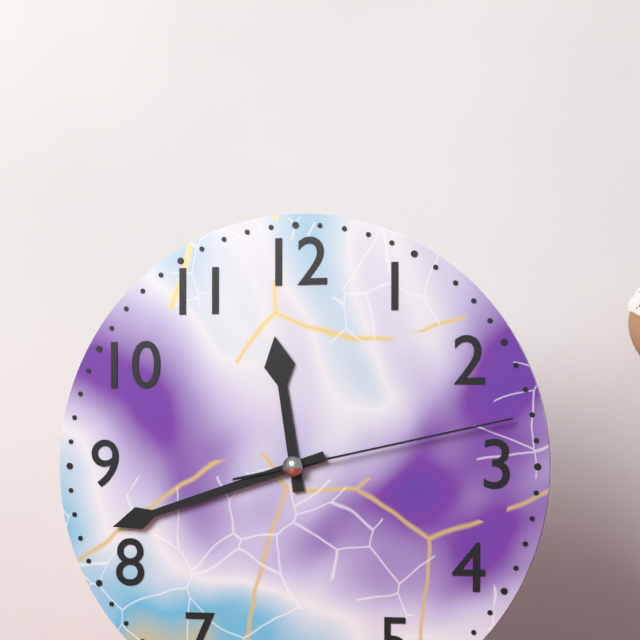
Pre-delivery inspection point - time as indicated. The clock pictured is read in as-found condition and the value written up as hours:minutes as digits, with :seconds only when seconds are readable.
11:42:13
